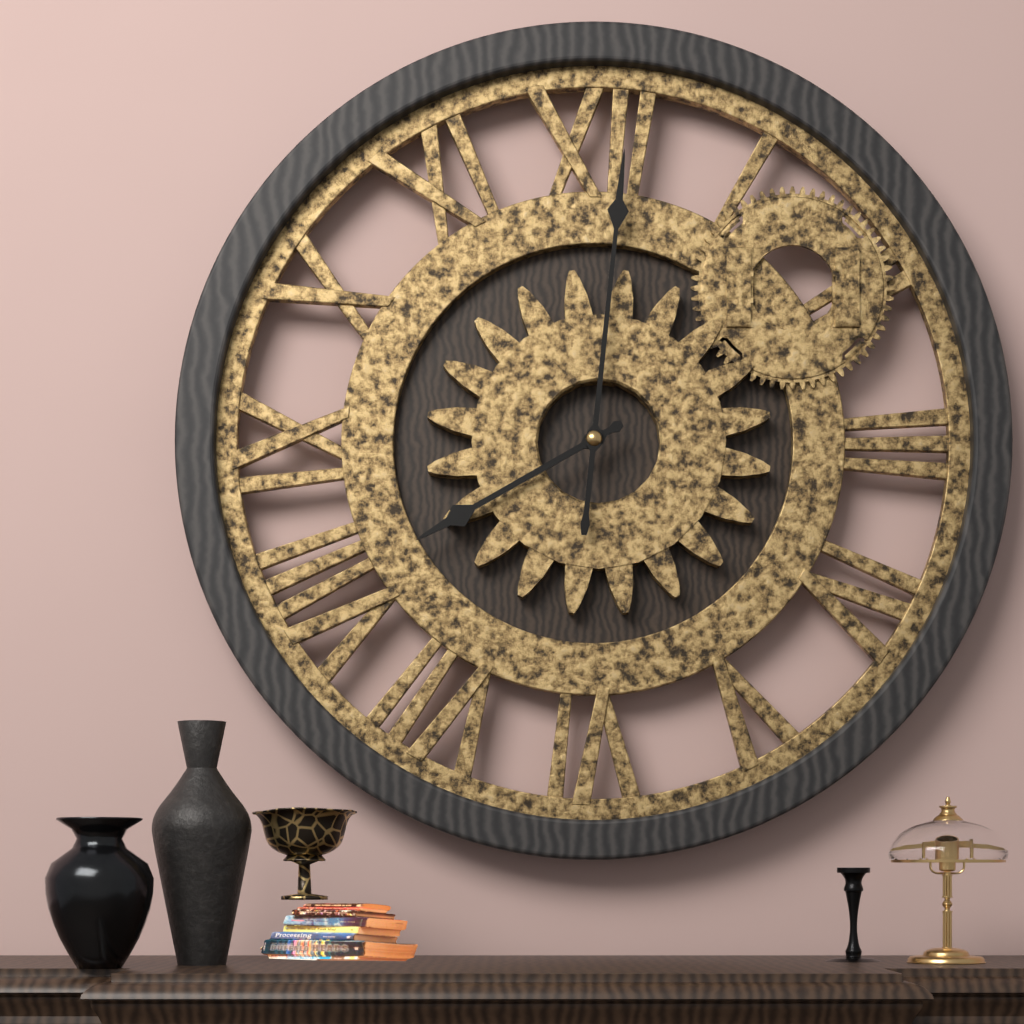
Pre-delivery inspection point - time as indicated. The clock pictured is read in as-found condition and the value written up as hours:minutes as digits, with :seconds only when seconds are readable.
8:01
